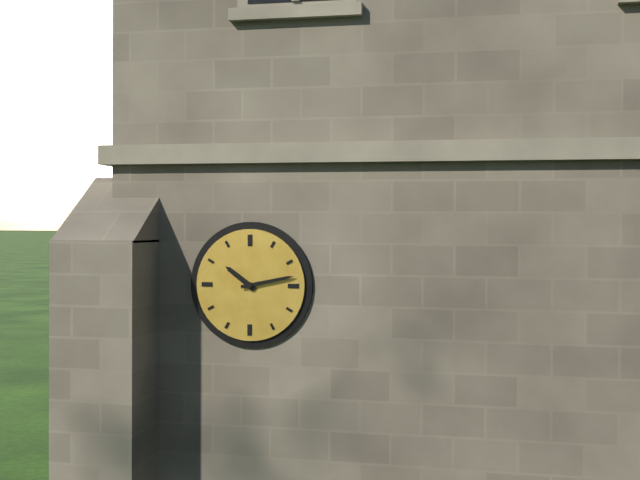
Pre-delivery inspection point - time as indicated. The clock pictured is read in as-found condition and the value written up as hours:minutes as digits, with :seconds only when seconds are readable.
10:13
